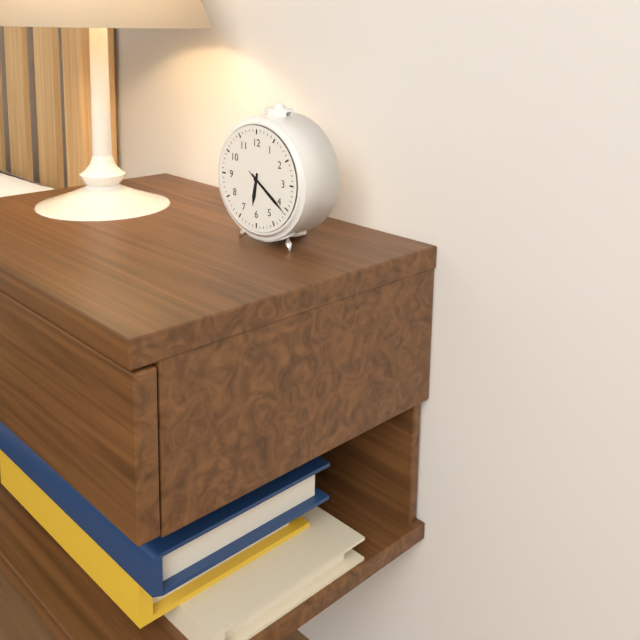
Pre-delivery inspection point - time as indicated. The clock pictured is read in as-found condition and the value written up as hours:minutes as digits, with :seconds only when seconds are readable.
6:21:21
